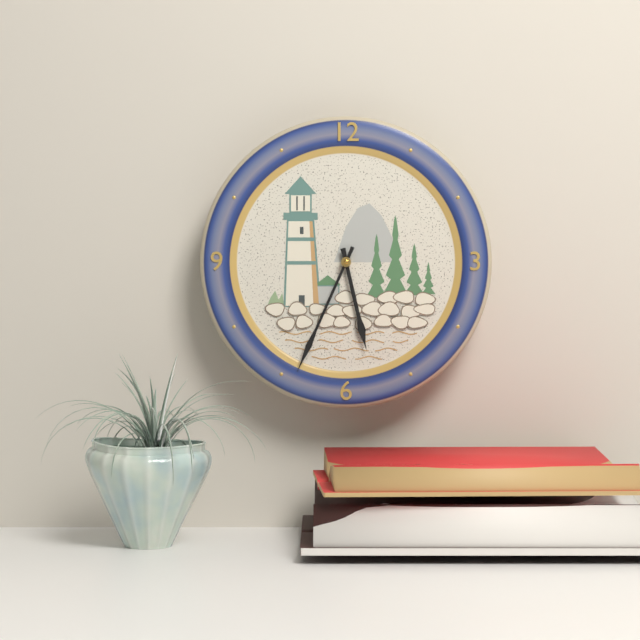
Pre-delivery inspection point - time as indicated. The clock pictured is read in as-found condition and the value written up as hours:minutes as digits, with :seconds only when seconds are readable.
5:34
